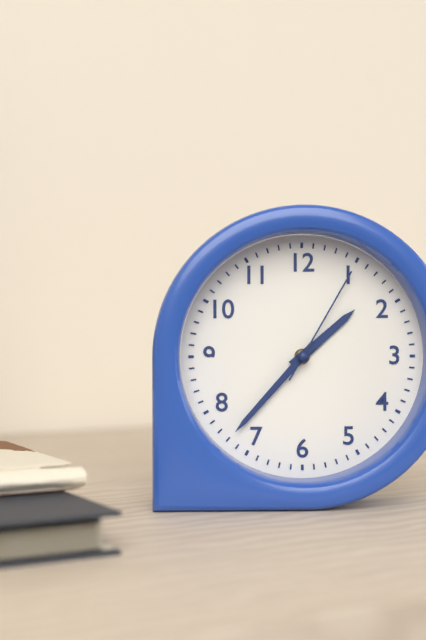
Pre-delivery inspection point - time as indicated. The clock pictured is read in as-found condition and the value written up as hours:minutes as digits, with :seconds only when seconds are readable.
1:37:05
